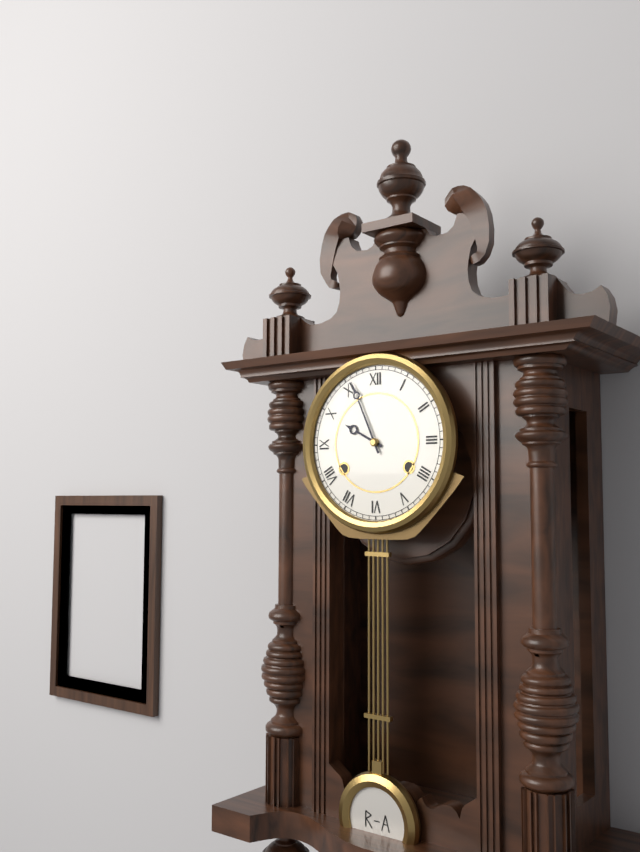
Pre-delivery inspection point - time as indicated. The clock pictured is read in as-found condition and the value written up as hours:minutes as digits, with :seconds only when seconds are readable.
9:56
